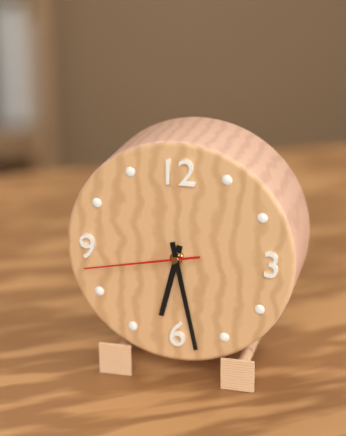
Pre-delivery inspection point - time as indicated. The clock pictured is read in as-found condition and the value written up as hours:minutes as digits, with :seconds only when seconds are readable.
6:28:43
